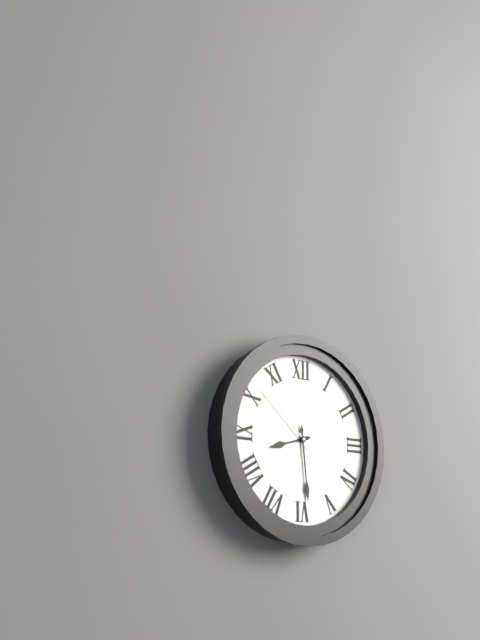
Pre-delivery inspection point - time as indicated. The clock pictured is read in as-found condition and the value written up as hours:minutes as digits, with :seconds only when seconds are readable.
8:29:52
